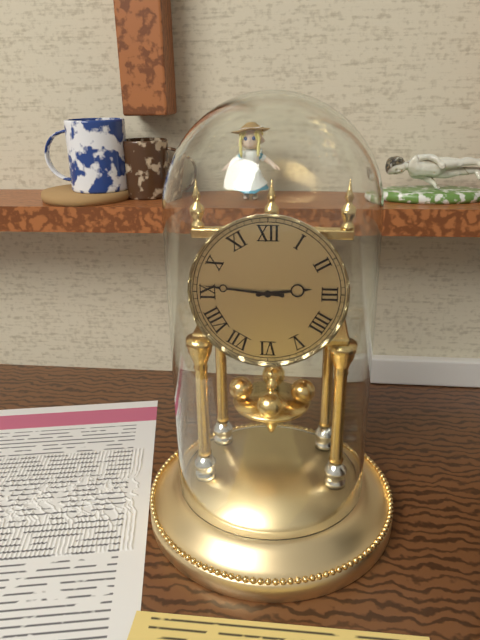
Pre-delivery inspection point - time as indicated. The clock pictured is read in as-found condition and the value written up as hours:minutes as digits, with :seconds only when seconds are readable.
2:46
